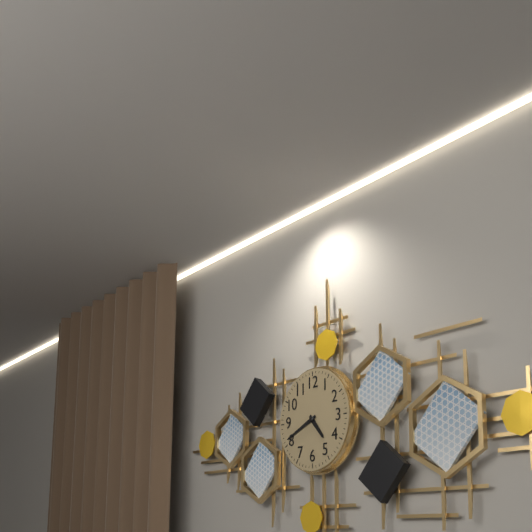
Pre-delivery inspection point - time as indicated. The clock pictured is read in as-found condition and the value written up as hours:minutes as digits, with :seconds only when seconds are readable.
4:41
